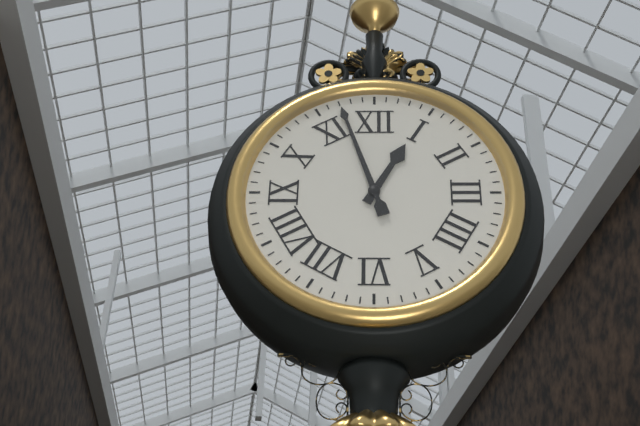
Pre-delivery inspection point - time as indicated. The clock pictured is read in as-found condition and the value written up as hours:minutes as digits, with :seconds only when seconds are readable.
12:57
